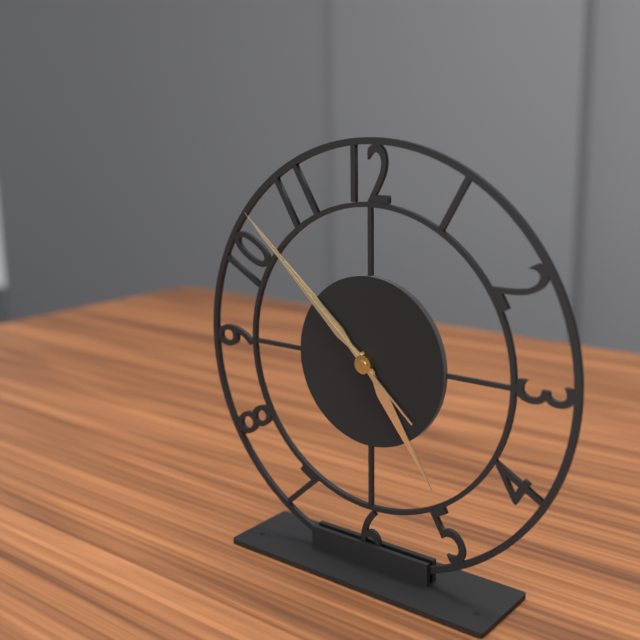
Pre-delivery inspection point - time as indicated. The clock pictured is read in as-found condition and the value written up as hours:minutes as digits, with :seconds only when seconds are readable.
4:52:52
